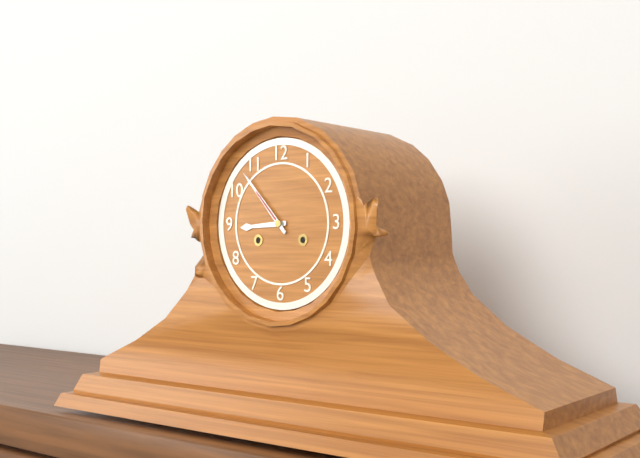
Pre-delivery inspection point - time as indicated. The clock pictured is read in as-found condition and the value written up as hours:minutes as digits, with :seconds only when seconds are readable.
8:53
